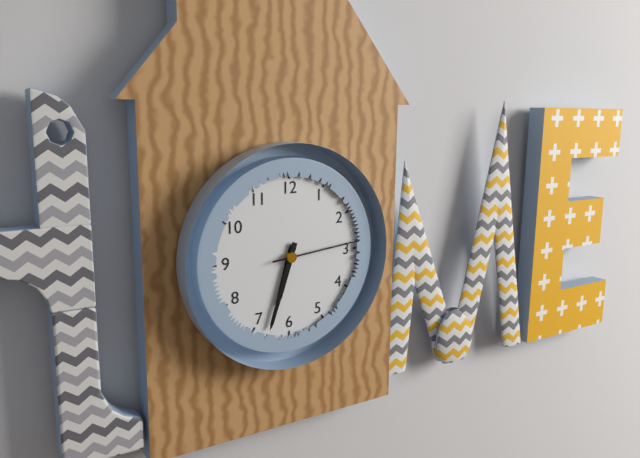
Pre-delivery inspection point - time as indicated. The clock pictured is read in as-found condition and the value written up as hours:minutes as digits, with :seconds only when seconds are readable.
6:33:14
